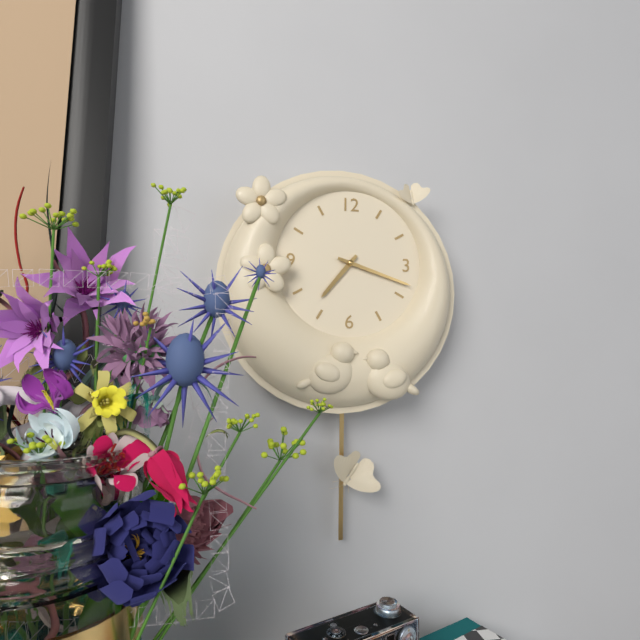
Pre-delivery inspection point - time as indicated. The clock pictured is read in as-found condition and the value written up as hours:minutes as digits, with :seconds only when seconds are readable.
7:18
